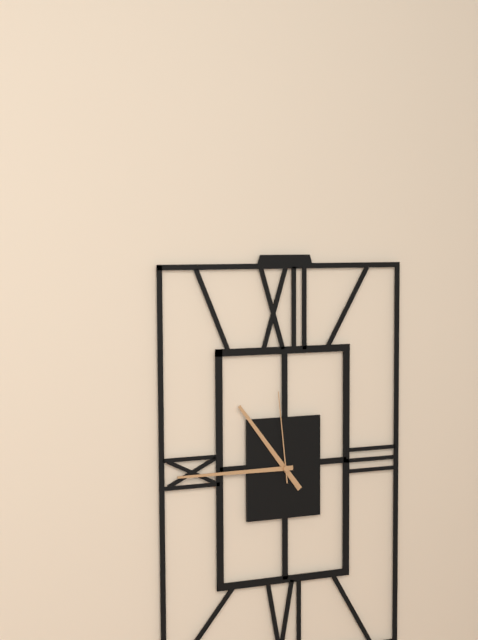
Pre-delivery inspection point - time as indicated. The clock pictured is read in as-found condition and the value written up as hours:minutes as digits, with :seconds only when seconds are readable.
10:45:59
